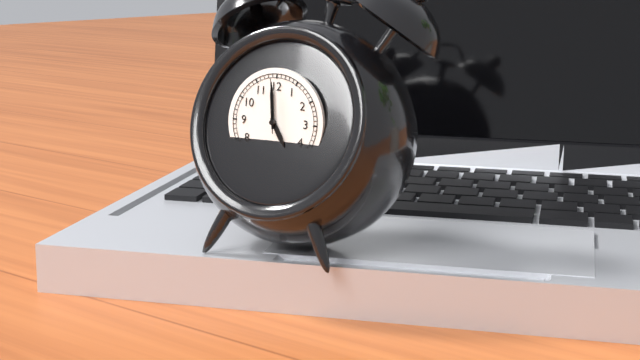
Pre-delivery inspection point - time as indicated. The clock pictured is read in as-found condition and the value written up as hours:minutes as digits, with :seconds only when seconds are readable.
4:59:59
